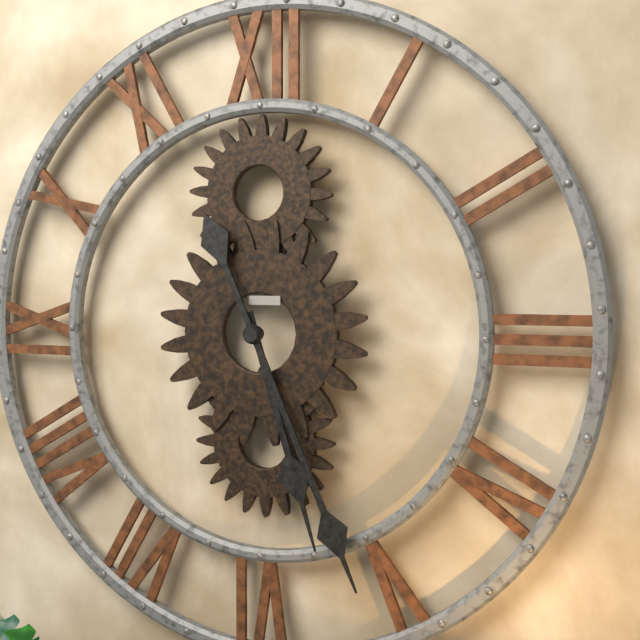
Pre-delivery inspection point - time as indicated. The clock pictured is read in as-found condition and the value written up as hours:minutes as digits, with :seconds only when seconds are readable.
5:26
